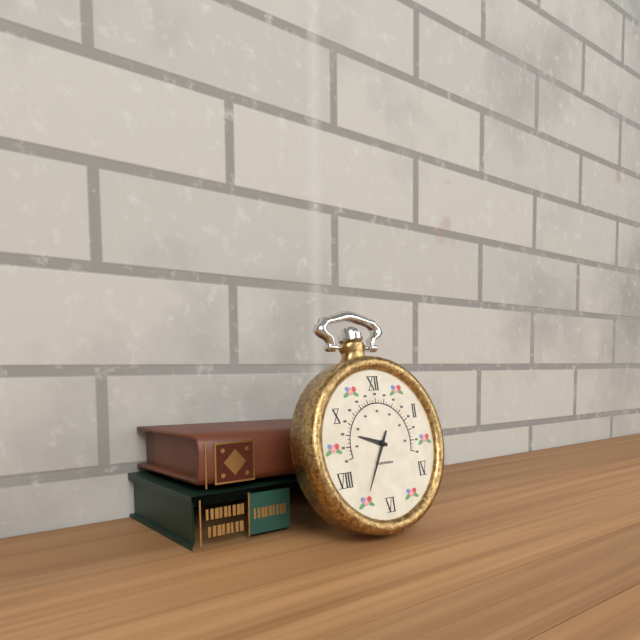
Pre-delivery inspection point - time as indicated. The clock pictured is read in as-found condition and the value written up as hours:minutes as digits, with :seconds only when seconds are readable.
9:35
